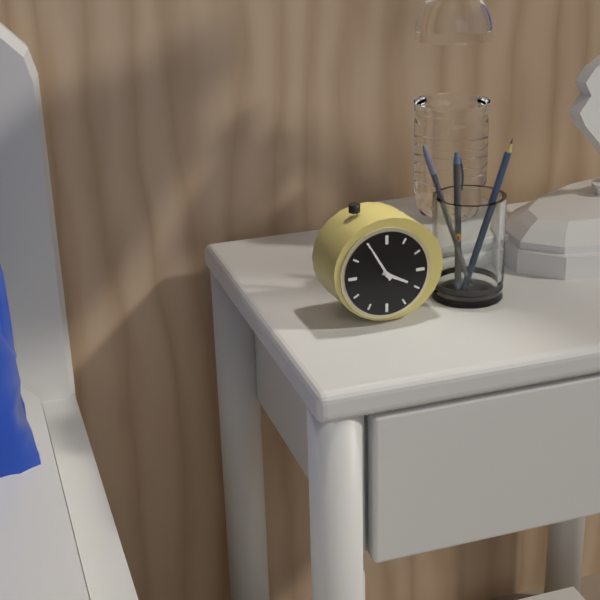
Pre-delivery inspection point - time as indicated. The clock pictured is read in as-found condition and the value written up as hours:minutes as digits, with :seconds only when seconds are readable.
3:55
